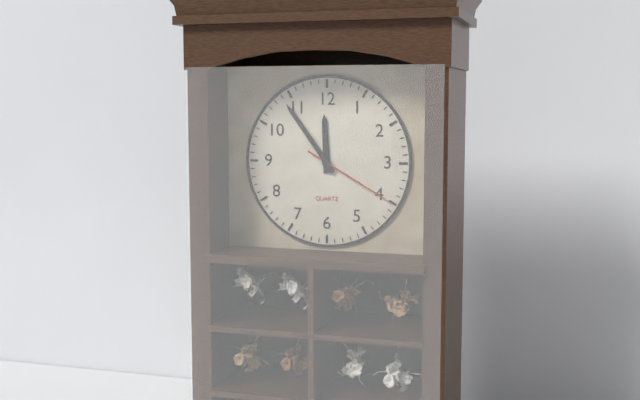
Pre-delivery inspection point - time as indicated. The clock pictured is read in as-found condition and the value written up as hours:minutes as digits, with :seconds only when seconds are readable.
11:54:20
